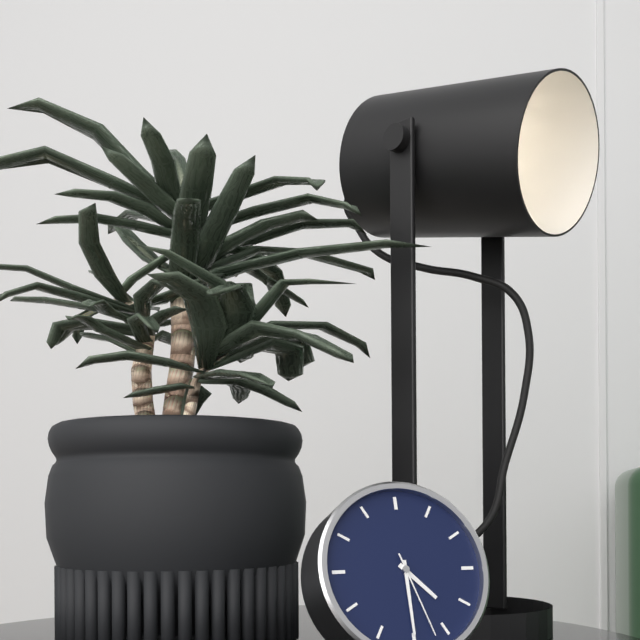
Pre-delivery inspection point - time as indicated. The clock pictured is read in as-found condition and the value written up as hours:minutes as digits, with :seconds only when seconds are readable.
4:30:27
